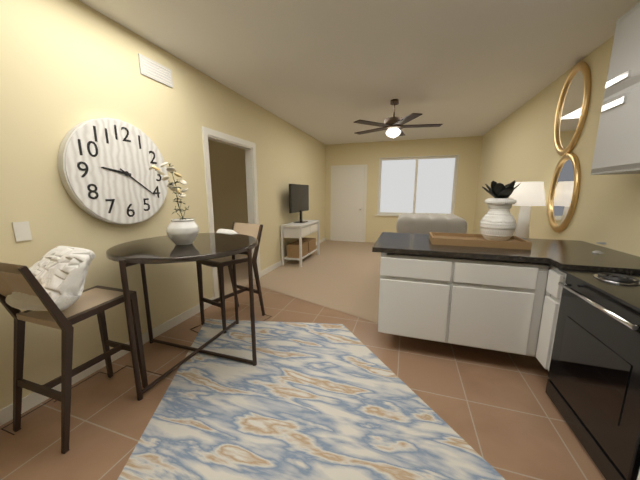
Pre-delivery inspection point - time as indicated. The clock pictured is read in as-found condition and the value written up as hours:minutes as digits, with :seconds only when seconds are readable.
9:21
